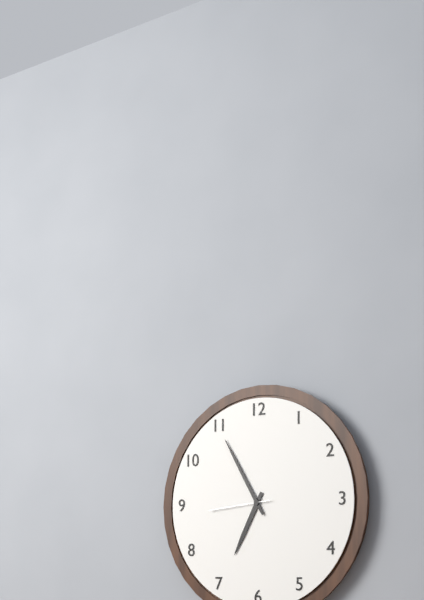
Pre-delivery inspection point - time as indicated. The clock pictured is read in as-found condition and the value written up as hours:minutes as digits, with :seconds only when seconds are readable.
6:55:44
